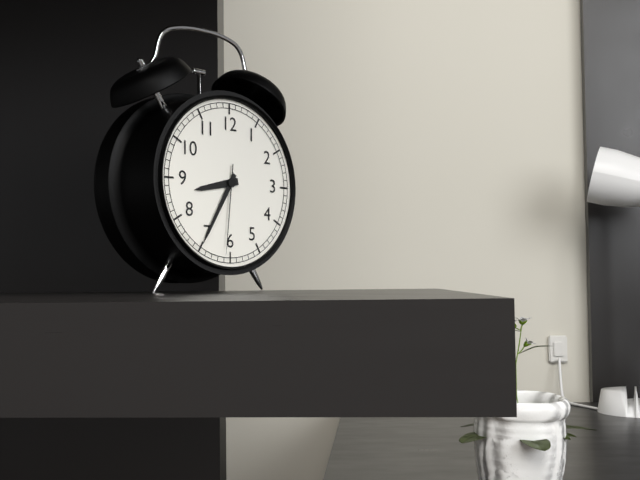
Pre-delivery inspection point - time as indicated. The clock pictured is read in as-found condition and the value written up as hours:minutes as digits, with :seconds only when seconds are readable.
8:35:31
